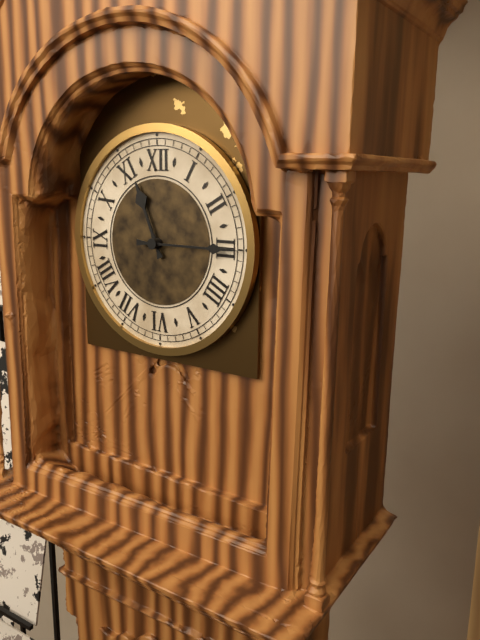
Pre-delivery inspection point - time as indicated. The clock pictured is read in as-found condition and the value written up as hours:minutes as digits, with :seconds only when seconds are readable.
11:15
